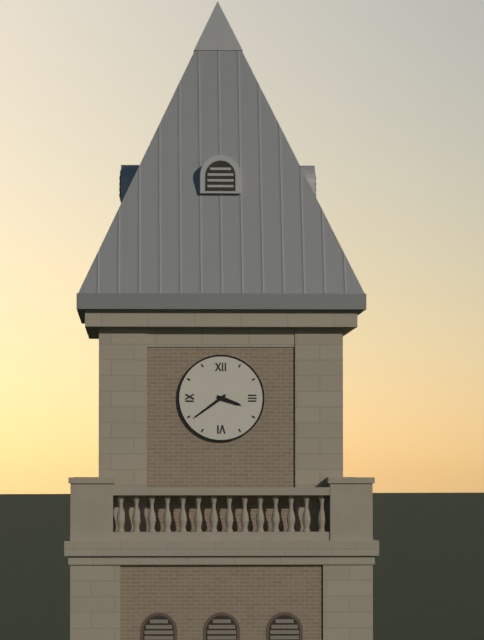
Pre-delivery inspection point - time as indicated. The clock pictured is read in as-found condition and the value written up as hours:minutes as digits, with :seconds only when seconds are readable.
3:39
